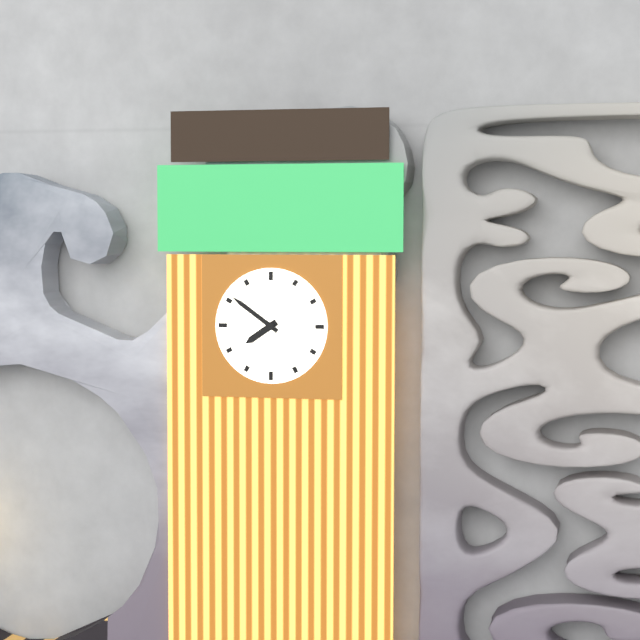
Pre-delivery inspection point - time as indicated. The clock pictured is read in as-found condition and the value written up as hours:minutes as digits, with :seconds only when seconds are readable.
7:51
